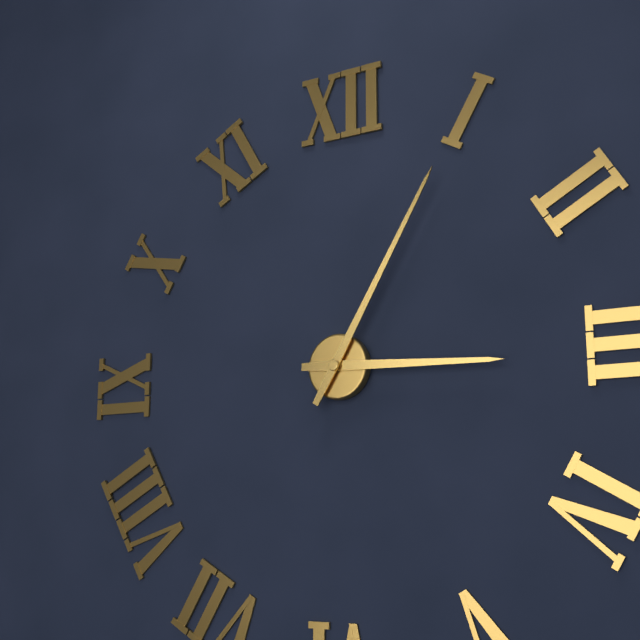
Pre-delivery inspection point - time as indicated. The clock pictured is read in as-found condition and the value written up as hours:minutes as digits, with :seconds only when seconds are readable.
3:05
